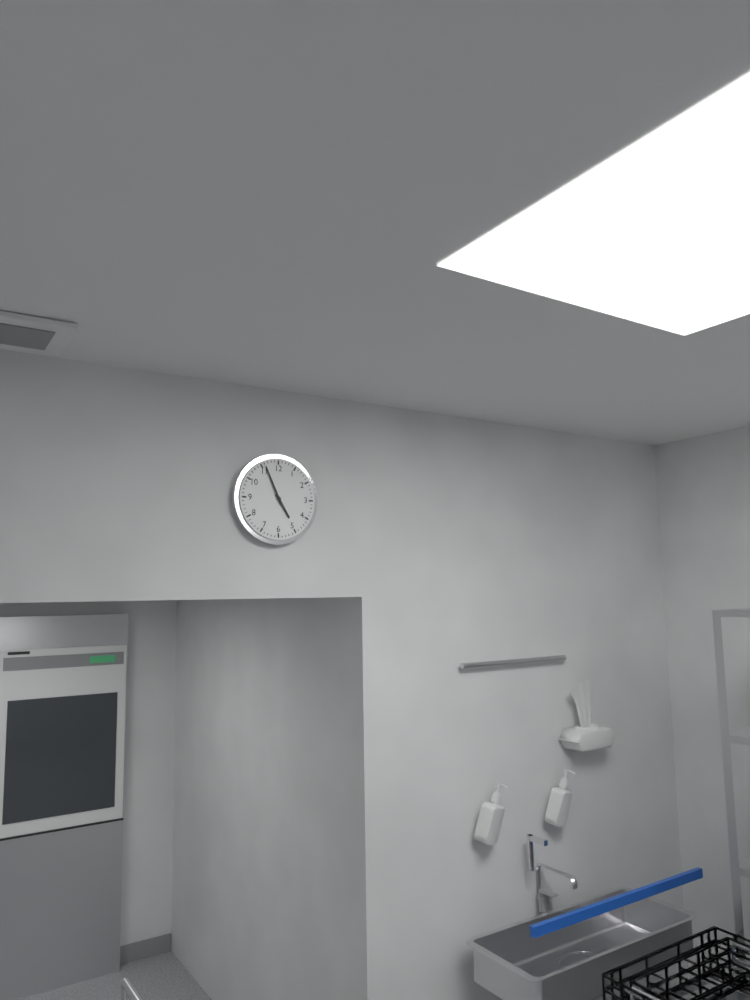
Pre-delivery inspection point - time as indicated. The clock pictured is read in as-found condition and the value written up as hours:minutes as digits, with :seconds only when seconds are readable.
4:56
